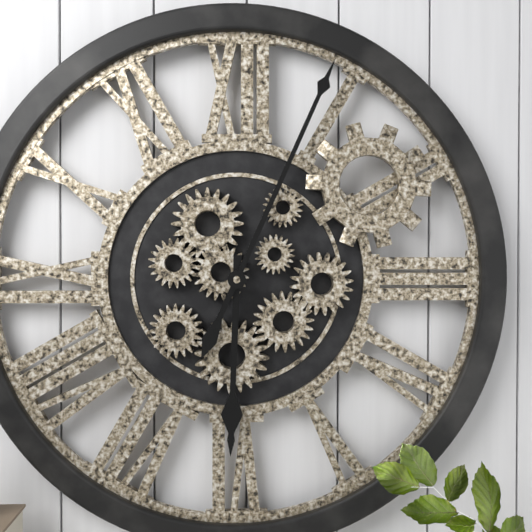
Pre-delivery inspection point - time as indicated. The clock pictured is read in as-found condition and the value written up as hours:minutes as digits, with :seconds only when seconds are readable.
6:04
